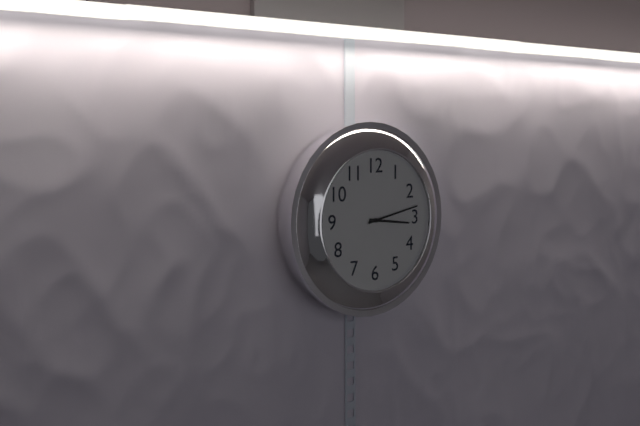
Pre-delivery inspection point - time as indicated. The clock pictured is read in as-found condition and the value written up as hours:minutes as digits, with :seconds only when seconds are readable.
3:13
